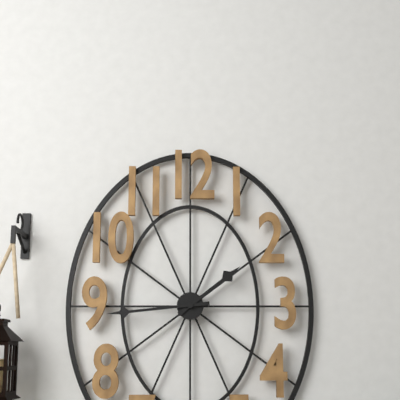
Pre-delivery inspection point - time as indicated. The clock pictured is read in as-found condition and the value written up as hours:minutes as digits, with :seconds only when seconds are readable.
1:44
